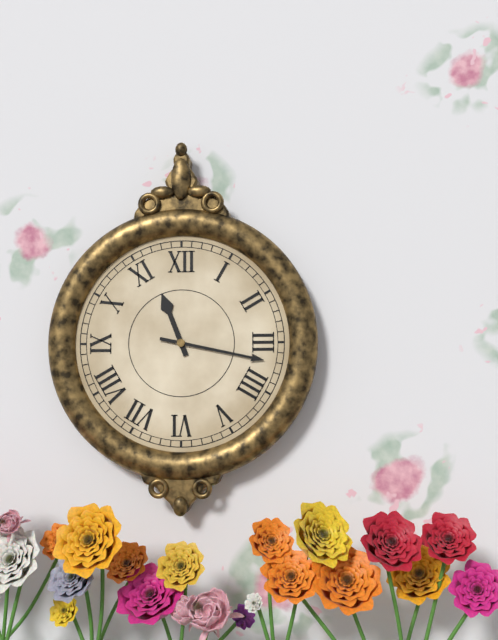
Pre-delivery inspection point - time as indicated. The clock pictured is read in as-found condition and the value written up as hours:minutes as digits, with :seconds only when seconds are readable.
11:17
